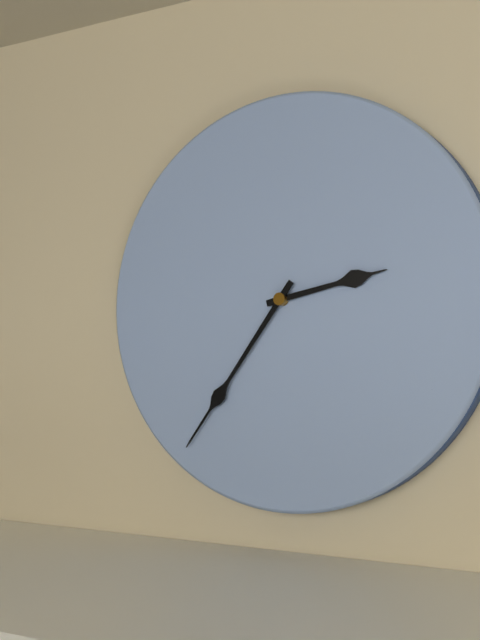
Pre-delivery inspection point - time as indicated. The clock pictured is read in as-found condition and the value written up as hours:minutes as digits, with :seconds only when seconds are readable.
2:36
